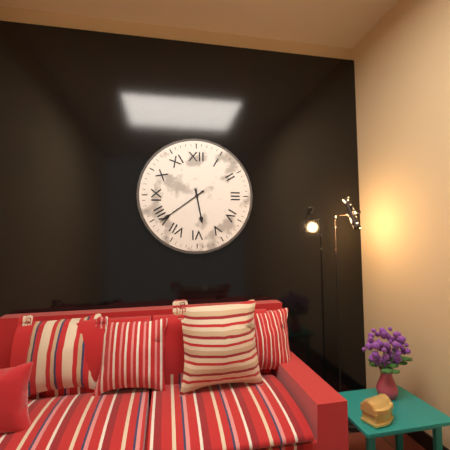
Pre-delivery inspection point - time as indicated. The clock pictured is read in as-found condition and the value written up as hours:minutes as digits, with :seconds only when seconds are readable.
5:39
